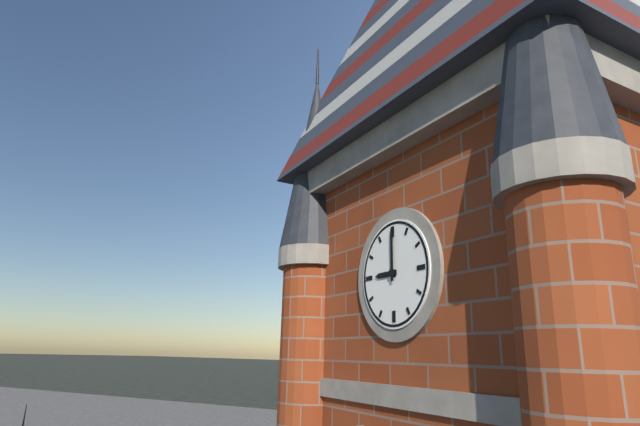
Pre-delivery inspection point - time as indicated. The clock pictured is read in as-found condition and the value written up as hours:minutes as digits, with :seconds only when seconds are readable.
9:00
